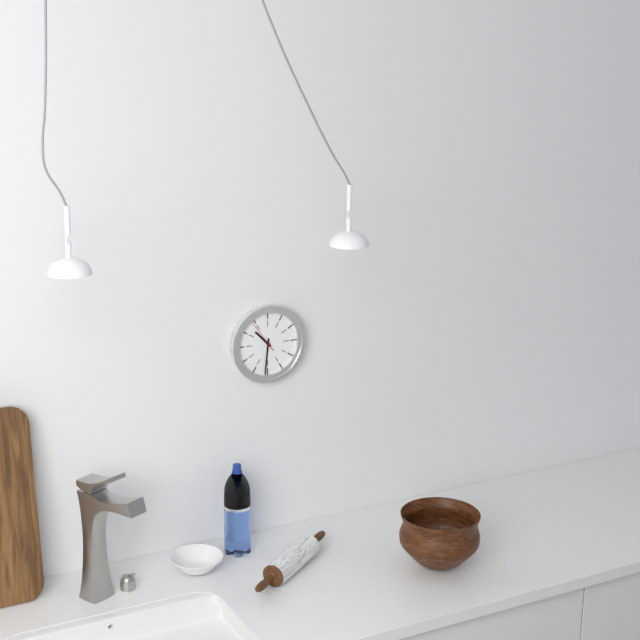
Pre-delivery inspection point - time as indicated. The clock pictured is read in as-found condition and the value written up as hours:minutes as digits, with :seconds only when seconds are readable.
10:31
